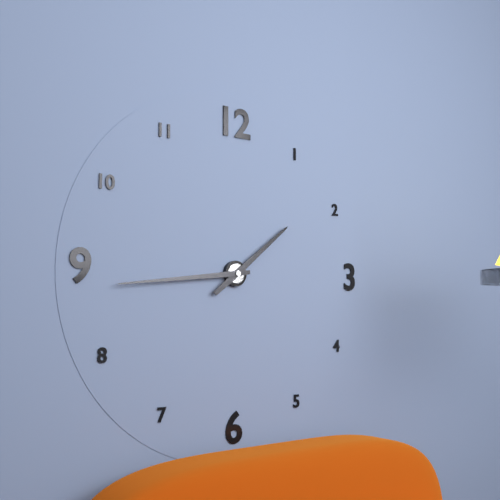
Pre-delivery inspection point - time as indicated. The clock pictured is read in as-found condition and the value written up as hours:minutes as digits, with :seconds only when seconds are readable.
1:44
